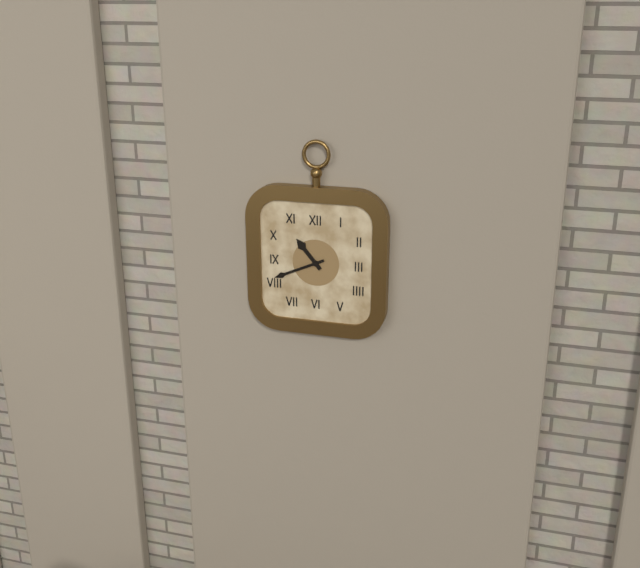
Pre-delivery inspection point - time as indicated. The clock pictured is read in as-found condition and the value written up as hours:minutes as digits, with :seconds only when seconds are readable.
10:41
